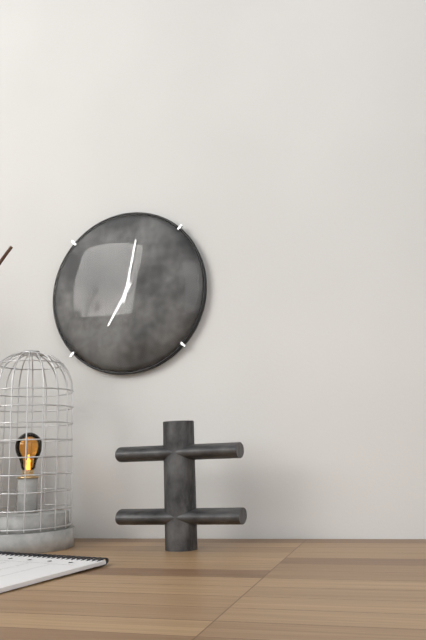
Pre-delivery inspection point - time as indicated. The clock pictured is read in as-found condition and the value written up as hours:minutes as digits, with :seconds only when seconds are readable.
7:02
